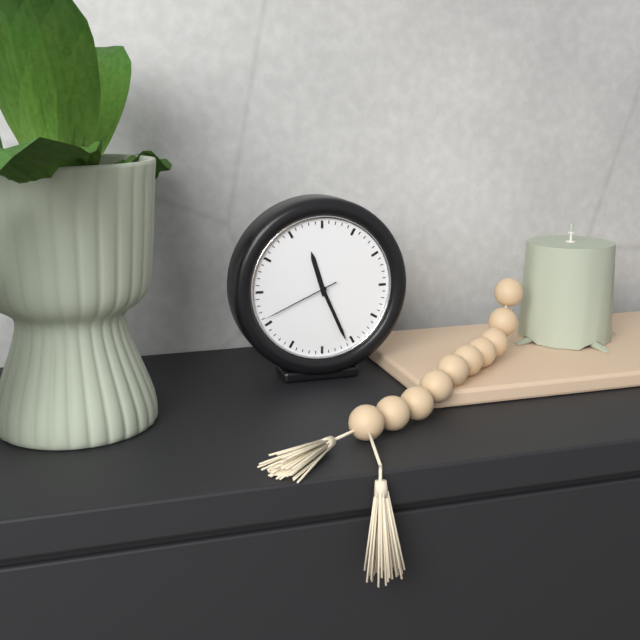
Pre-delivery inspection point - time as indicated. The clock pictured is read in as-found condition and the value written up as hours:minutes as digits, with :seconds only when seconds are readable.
11:26:41
